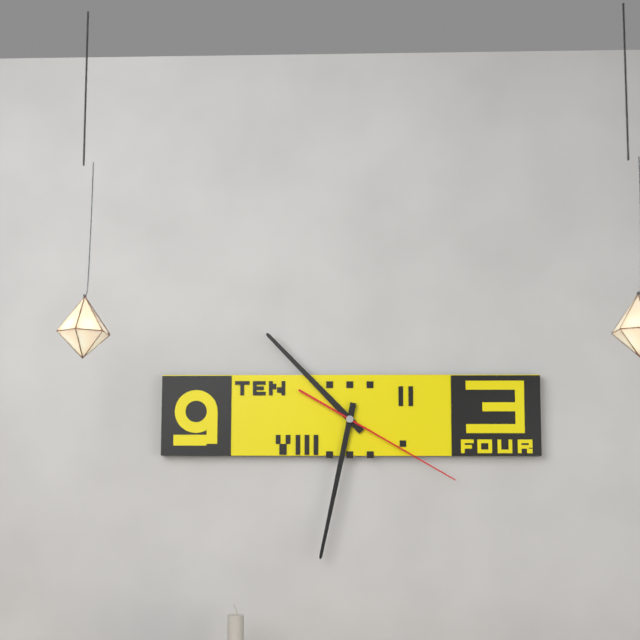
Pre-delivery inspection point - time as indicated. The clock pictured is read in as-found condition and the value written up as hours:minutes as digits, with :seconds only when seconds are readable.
10:32:20
